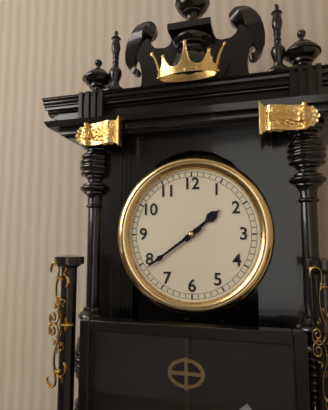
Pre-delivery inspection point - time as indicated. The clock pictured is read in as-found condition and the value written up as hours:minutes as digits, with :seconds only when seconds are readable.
1:39
